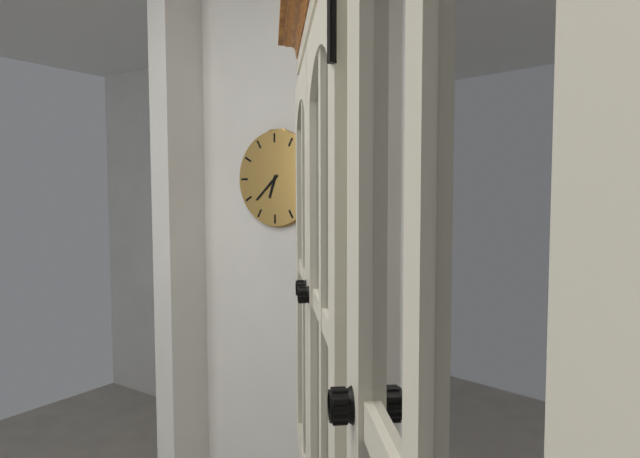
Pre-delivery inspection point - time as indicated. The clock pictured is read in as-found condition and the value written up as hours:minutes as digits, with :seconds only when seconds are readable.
6:38
